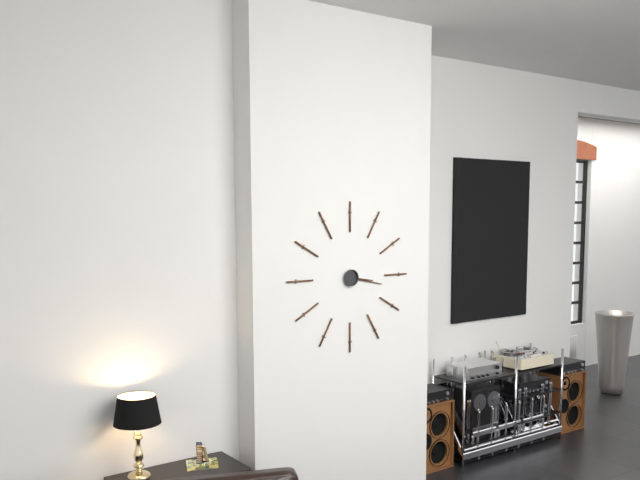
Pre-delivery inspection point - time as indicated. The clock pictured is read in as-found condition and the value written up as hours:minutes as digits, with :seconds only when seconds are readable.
3:17
